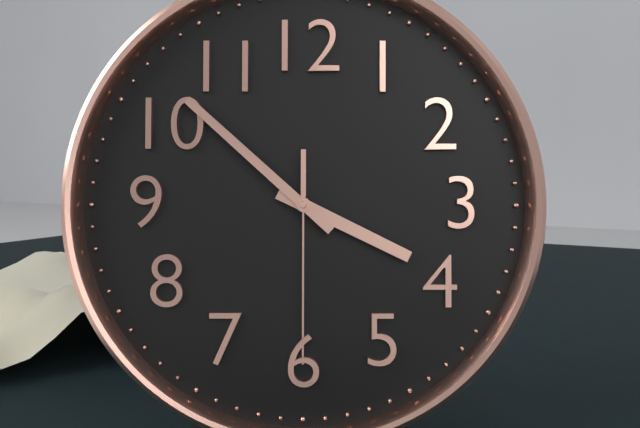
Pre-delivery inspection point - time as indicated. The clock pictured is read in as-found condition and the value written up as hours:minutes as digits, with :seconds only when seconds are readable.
3:52:30
